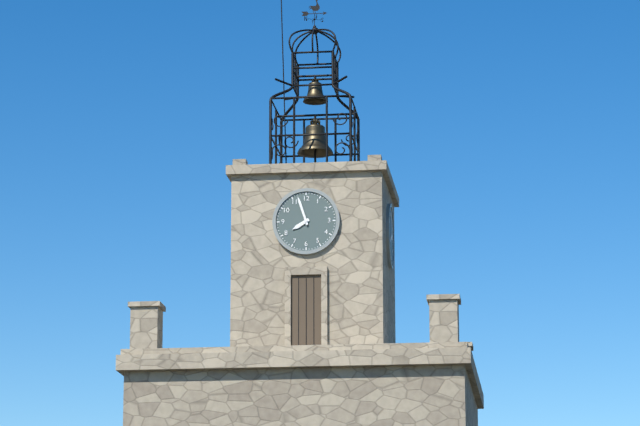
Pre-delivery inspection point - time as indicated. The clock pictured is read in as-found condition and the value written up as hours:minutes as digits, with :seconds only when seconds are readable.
7:57
